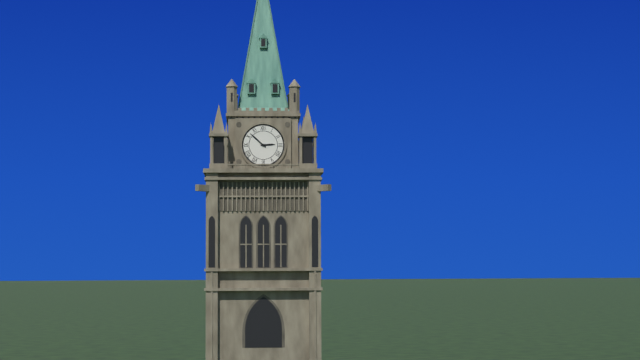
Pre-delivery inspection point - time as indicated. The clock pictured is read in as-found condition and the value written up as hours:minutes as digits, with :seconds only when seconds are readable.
2:52
